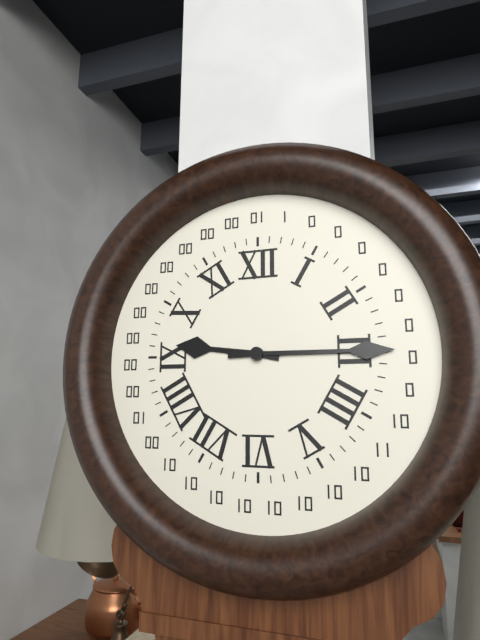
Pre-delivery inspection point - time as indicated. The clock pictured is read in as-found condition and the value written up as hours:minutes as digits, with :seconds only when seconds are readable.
9:15
